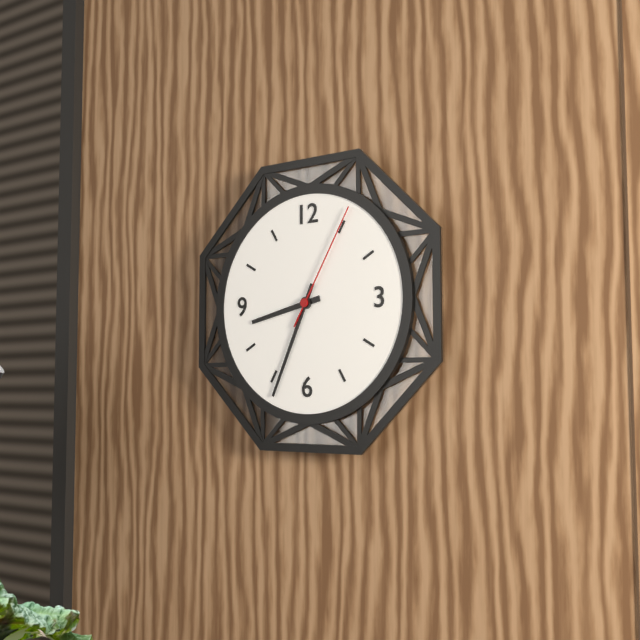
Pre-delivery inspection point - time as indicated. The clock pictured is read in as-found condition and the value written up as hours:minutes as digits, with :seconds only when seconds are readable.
8:34:05
